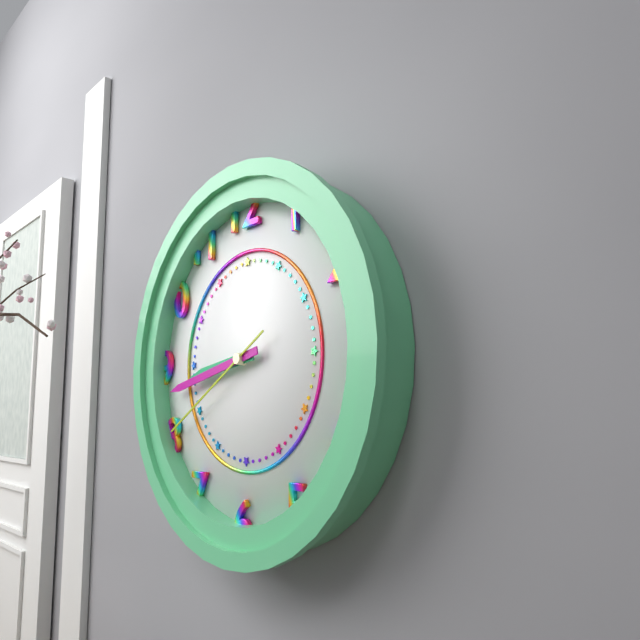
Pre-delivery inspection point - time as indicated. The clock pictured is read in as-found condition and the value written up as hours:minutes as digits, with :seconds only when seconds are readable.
8:43:40
